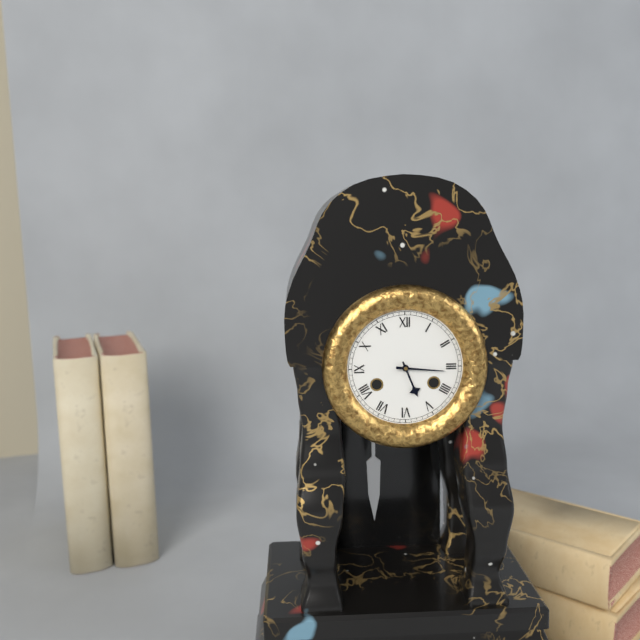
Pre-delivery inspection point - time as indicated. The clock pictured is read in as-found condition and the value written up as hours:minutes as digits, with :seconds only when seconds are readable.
5:16
